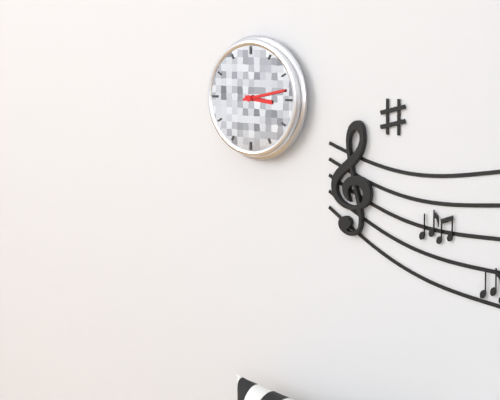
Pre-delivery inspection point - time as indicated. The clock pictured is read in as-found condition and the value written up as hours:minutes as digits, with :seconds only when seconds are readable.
3:13
